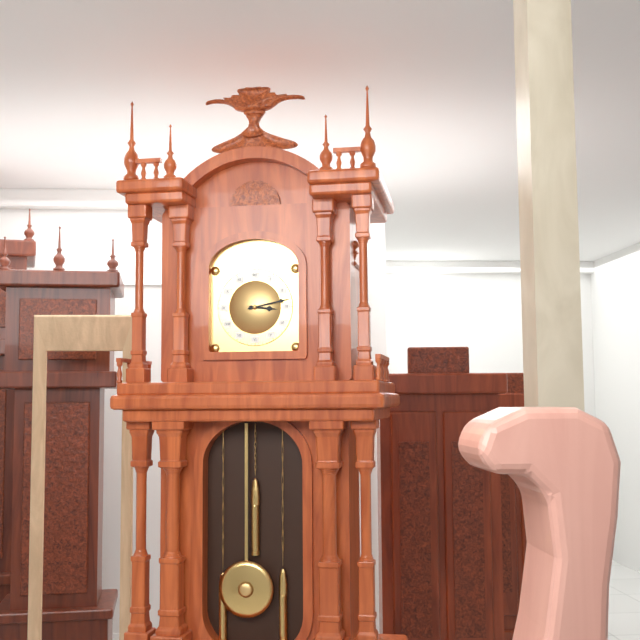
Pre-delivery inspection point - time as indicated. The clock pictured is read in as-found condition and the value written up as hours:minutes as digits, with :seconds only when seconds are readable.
3:13
